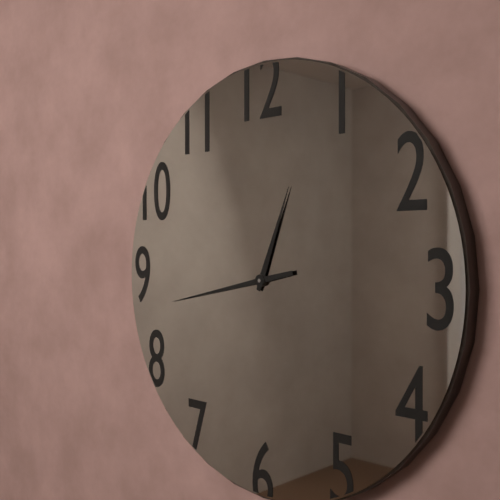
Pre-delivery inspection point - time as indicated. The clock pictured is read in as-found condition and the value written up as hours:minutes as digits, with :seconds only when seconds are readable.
12:43
